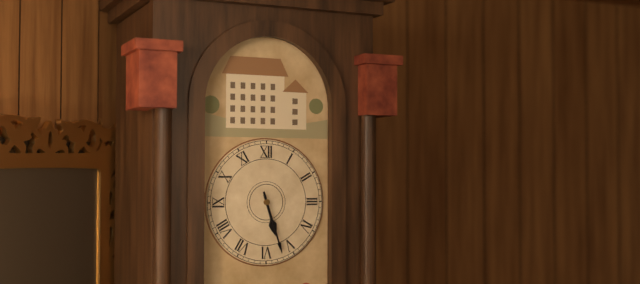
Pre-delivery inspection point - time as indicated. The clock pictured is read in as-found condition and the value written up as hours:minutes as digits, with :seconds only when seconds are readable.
5:27
